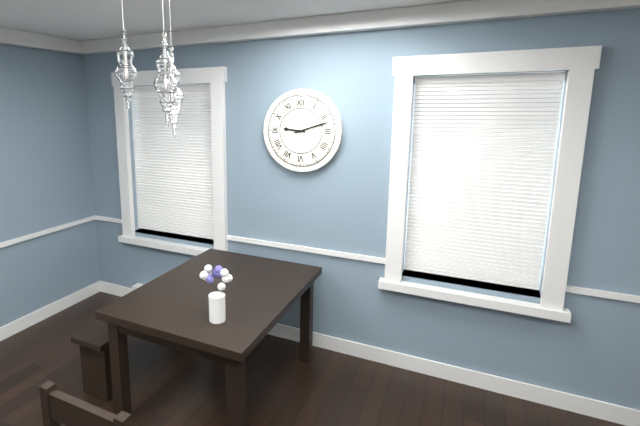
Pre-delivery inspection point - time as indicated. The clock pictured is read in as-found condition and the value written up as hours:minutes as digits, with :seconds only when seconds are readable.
9:12
